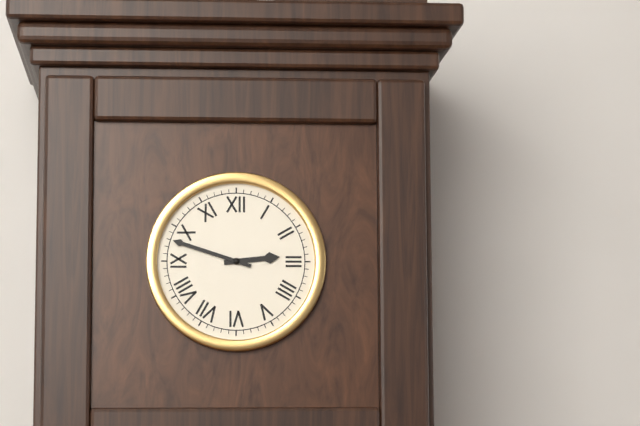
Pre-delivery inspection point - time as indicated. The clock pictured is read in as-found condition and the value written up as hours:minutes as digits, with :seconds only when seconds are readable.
2:48
